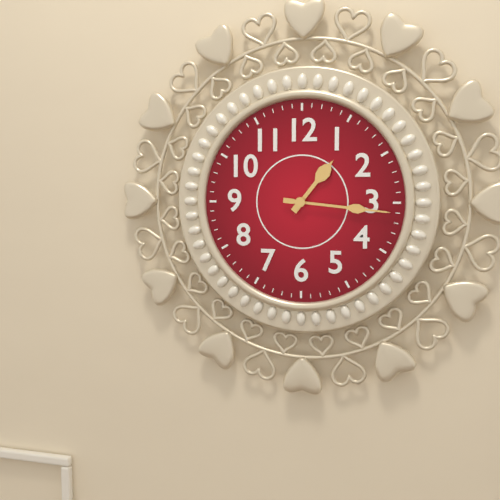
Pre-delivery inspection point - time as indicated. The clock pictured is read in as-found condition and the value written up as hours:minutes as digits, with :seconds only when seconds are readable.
1:16
